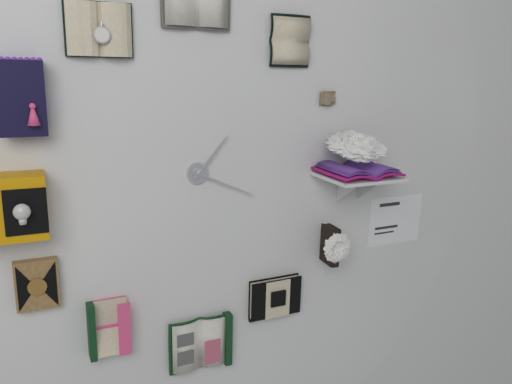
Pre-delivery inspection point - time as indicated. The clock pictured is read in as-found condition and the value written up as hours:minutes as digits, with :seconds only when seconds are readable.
1:19
